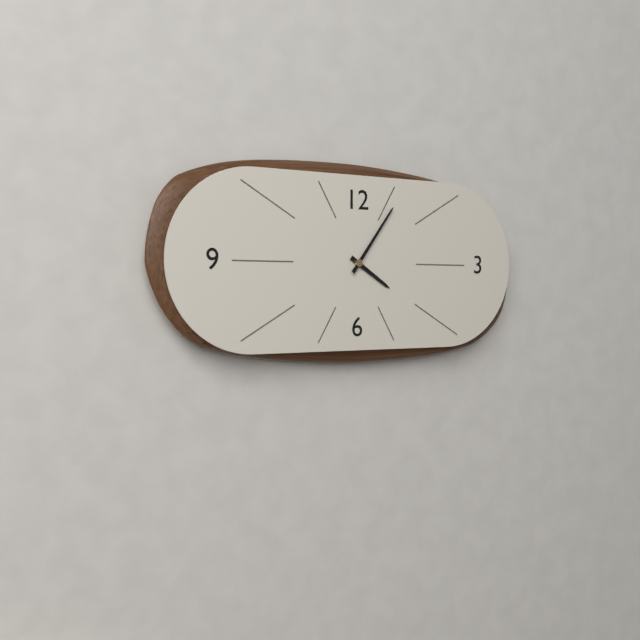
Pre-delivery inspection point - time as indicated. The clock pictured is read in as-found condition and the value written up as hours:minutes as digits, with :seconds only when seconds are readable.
4:06
